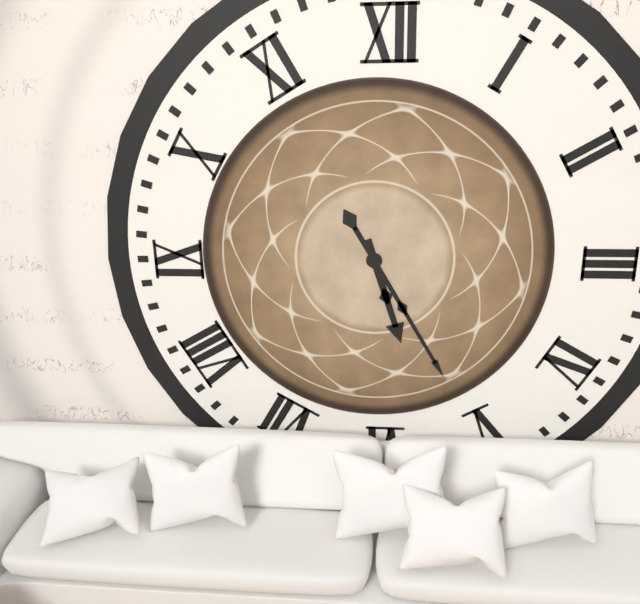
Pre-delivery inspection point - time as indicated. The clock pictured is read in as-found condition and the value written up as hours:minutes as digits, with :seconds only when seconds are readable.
5:25
